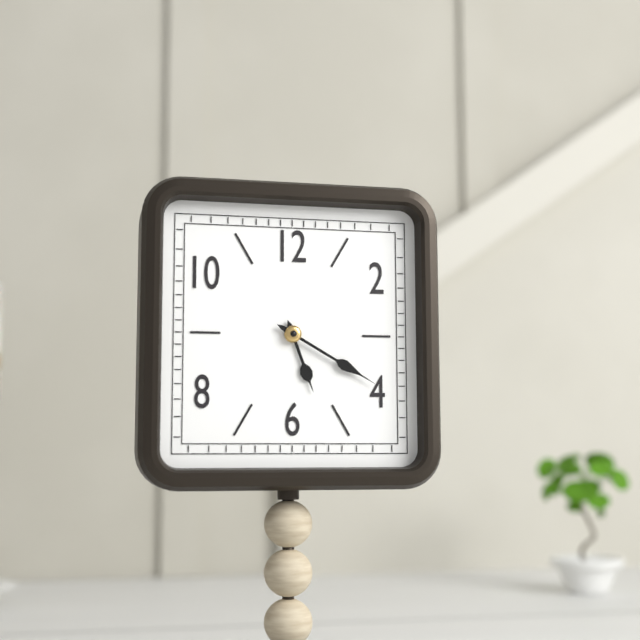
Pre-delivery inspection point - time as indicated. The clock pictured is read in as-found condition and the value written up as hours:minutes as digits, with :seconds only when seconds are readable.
5:20
